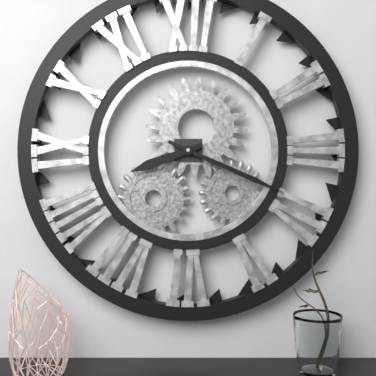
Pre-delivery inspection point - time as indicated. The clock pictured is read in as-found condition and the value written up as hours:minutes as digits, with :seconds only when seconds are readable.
8:19
